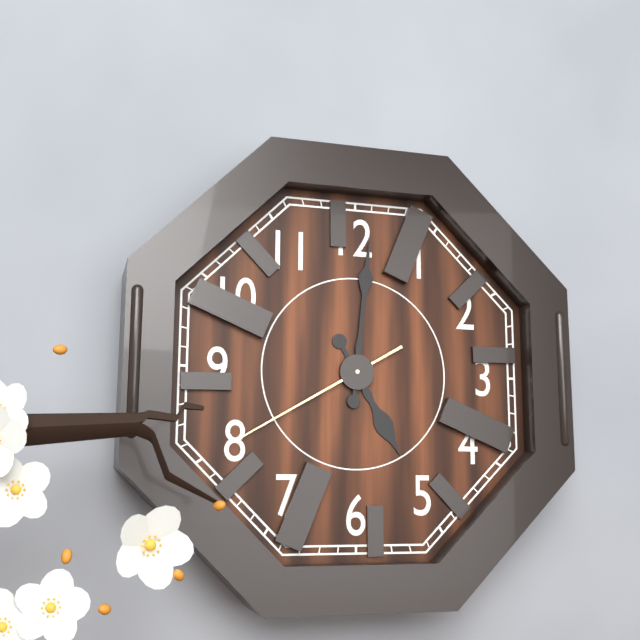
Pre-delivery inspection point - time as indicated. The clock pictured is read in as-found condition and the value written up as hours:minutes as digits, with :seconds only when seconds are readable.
5:01:40
